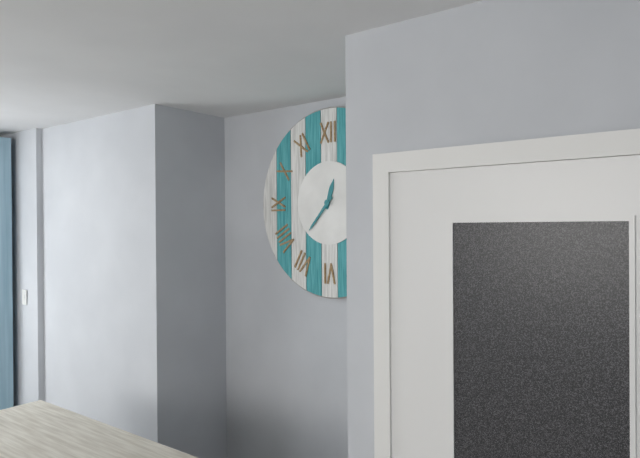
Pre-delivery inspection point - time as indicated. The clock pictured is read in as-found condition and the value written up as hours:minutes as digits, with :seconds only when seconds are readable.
12:37
